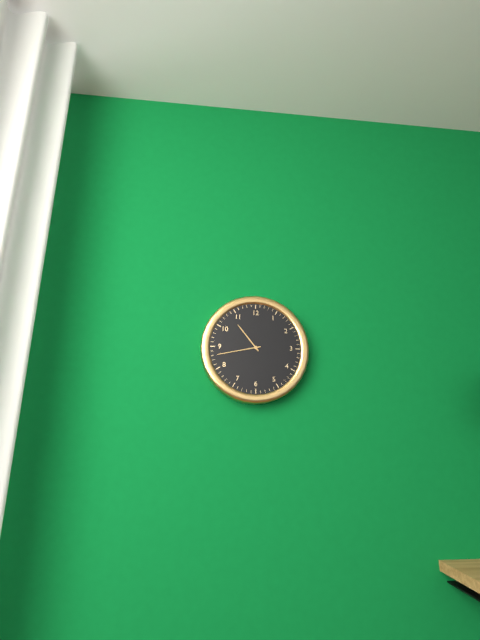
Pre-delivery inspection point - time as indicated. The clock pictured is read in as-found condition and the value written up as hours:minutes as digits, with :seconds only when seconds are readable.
10:43
